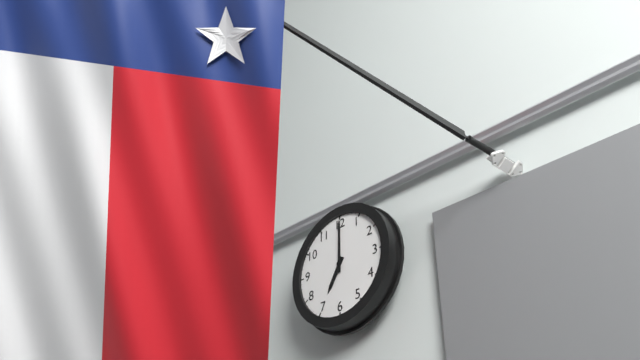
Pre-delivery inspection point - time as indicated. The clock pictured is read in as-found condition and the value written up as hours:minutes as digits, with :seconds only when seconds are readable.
7:00
